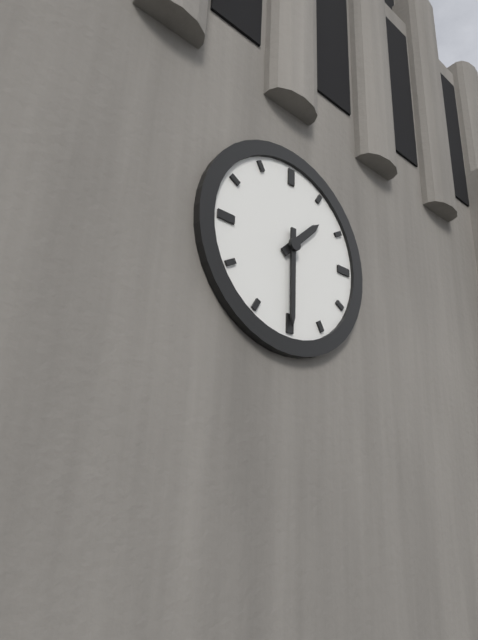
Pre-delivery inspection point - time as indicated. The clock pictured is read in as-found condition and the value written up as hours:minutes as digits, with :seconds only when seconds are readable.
1:30
